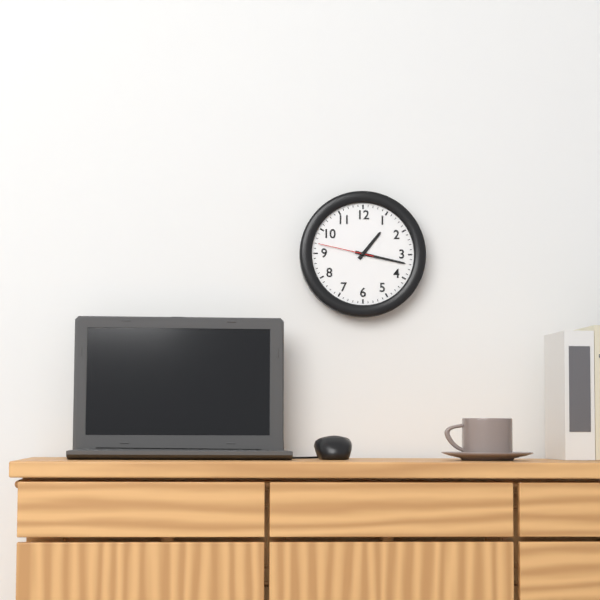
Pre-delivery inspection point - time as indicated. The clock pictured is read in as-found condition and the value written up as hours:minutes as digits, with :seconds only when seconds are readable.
1:17:47
